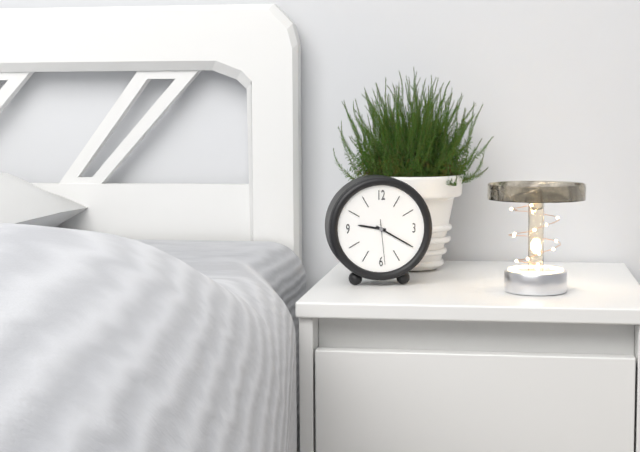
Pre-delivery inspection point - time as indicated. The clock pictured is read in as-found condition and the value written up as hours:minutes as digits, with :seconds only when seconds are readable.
9:20
